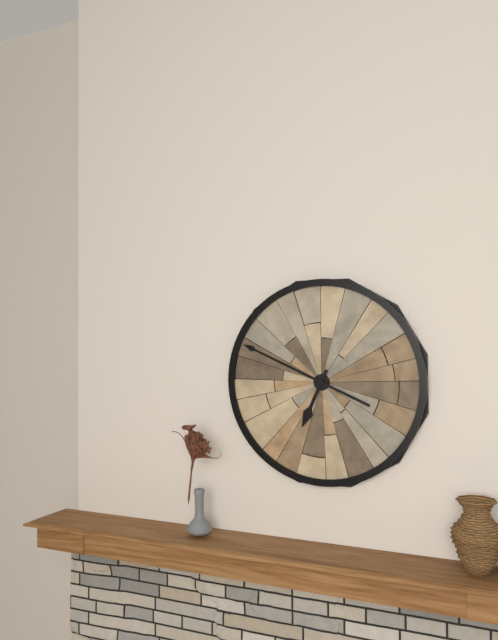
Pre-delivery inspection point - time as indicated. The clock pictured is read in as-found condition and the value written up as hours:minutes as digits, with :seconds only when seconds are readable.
6:49
